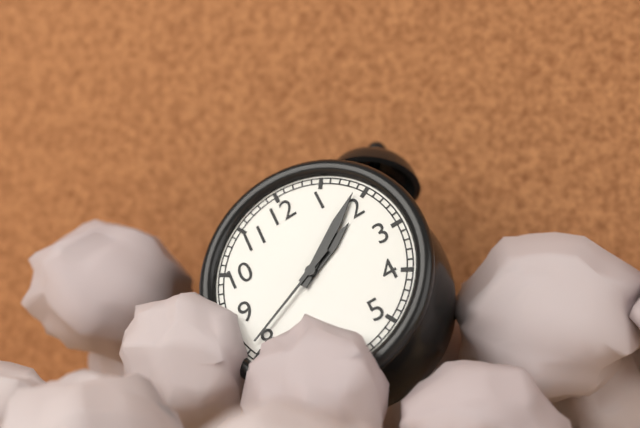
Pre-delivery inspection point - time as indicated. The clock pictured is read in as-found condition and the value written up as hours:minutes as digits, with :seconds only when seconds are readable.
2:09:41
